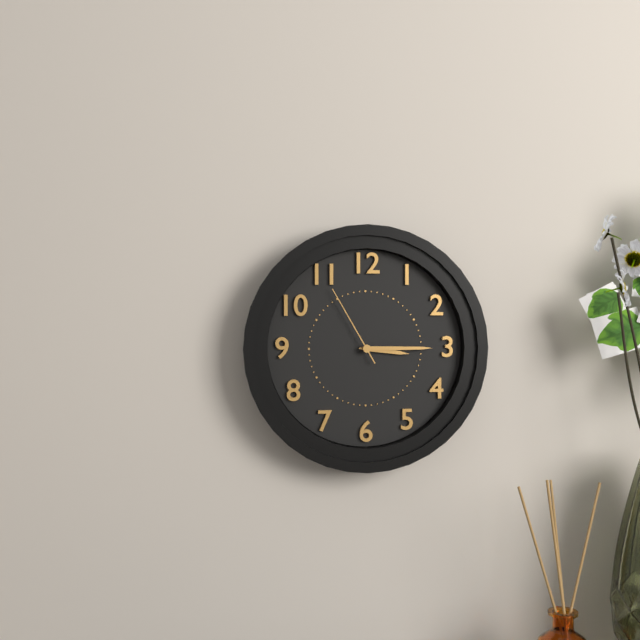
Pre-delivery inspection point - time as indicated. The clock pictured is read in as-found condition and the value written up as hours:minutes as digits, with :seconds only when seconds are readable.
3:15:55
